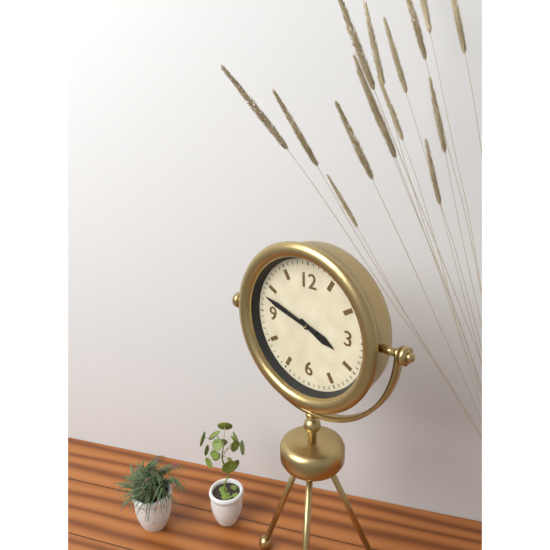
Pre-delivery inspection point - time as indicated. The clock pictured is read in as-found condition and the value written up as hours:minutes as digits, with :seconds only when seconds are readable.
3:48
